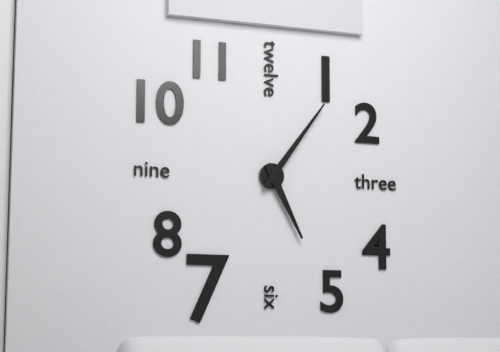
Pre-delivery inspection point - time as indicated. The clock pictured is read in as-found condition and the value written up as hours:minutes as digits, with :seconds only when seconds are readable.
5:06
